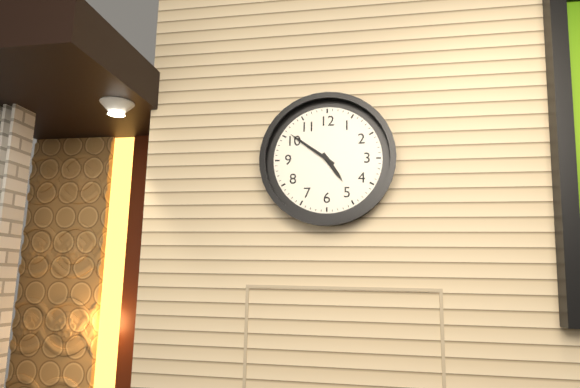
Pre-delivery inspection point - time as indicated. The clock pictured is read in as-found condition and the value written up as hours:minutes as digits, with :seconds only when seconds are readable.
4:51
